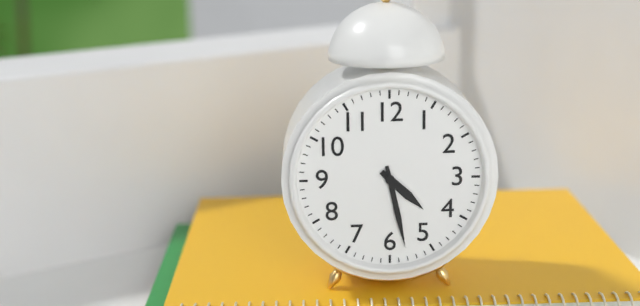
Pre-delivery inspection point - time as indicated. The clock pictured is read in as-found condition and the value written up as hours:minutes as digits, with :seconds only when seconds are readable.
4:28
